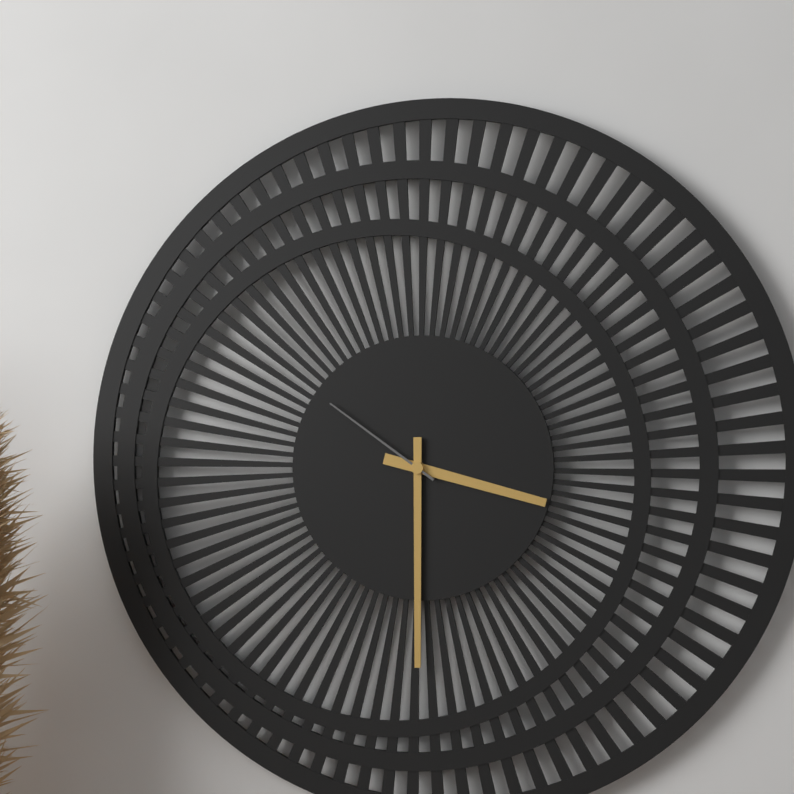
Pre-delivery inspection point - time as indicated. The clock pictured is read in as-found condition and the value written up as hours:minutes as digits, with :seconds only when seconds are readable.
3:30:51
